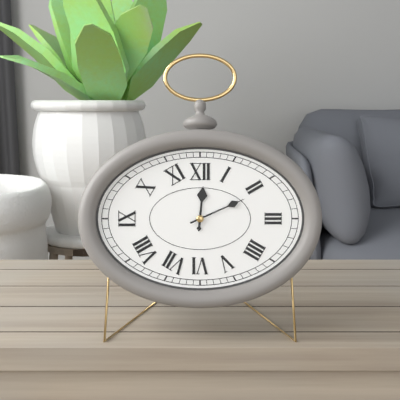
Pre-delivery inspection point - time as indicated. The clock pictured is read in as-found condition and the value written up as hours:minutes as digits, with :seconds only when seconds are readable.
12:11
